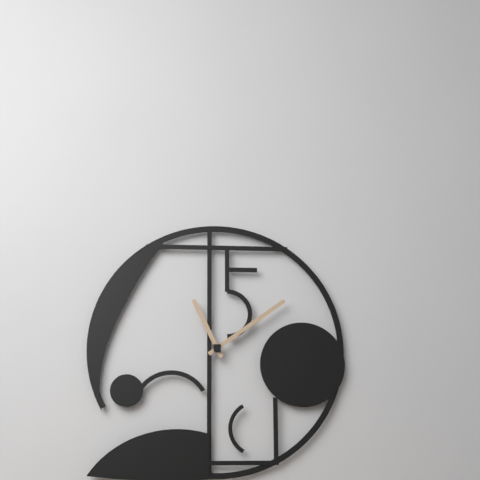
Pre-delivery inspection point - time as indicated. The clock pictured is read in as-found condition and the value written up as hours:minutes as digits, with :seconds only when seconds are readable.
11:09
